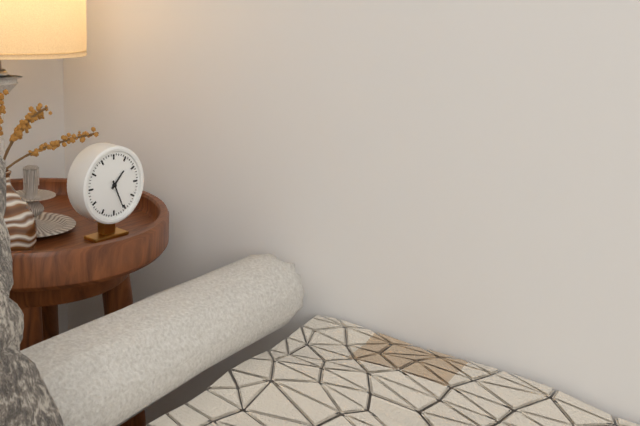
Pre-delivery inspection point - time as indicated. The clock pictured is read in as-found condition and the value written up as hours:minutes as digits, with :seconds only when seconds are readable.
1:26
